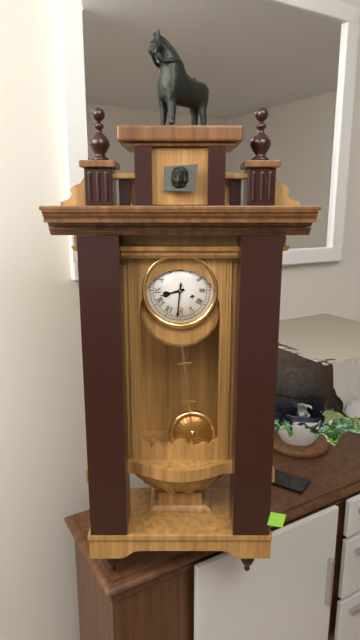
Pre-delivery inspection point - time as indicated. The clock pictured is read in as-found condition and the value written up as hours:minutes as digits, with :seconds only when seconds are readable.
8:31
